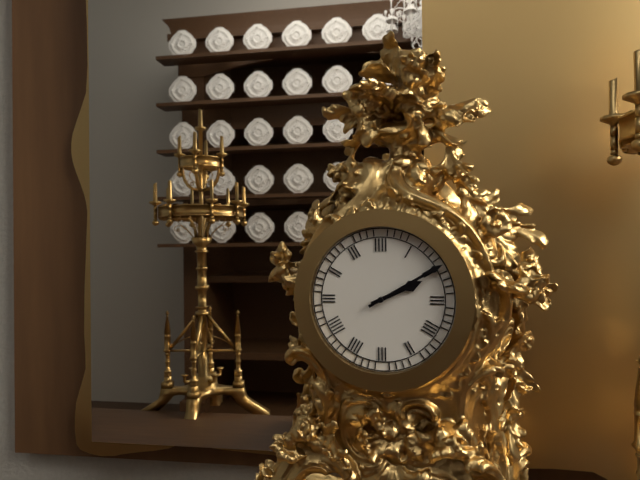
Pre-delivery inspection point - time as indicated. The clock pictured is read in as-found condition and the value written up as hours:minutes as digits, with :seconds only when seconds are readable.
2:10
